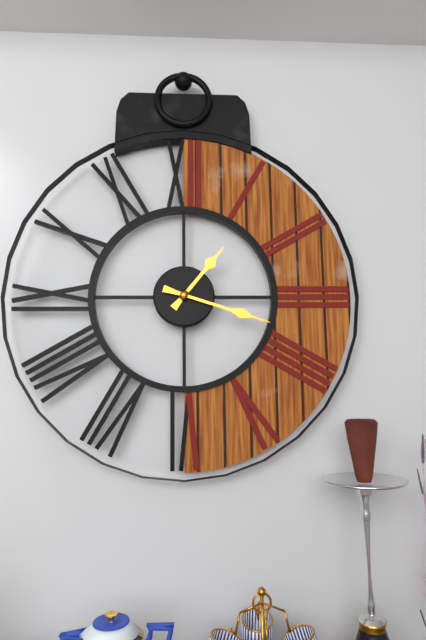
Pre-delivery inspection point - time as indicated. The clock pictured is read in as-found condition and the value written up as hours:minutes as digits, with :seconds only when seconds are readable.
1:18
